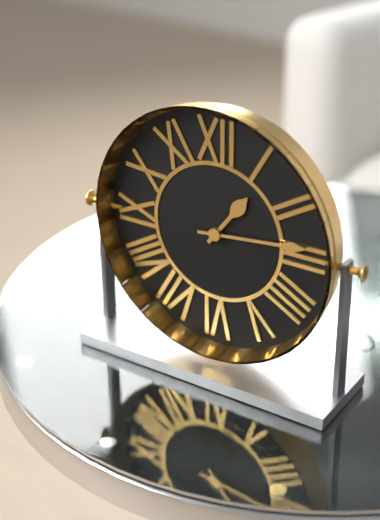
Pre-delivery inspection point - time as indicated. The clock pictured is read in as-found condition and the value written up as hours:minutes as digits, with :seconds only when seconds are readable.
1:14
